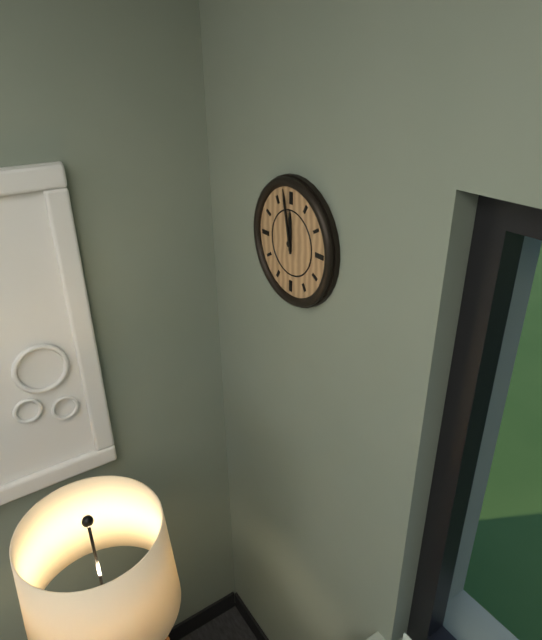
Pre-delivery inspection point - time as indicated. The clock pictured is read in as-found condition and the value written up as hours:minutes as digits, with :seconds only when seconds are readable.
11:58
